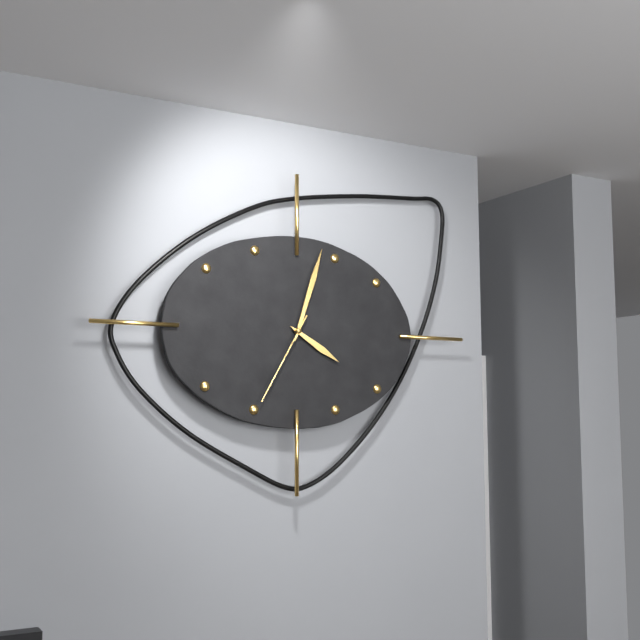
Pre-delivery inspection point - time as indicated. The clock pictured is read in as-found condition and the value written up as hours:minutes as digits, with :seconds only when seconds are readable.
4:03:35
